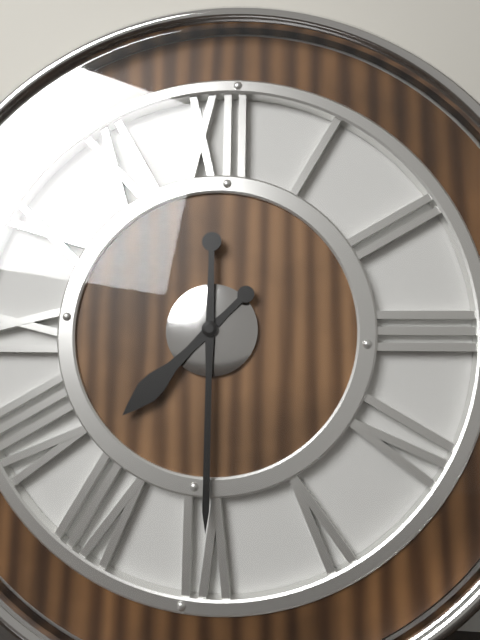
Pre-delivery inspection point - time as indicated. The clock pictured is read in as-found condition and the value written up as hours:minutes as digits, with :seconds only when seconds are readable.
7:30
